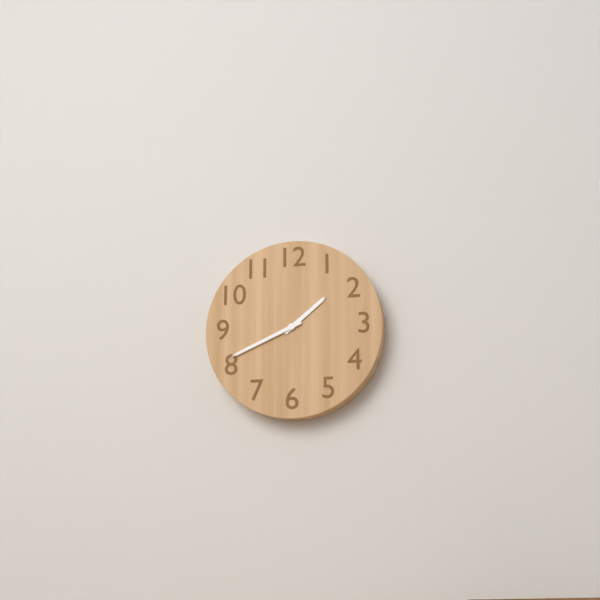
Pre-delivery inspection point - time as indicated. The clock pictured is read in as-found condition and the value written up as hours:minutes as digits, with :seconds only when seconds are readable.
1:41
